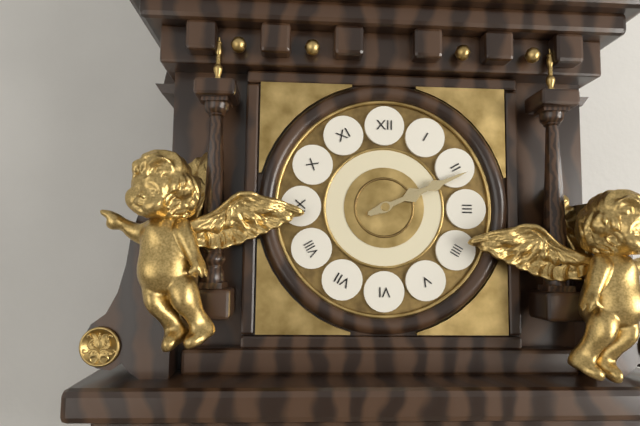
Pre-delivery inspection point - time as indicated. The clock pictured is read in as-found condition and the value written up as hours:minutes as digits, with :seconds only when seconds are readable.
2:11
